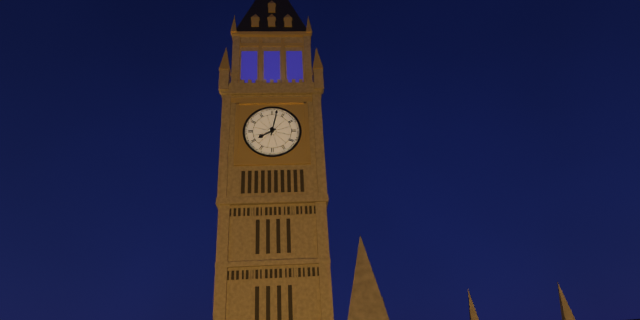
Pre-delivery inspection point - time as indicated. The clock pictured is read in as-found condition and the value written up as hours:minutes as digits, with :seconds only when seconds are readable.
8:02
